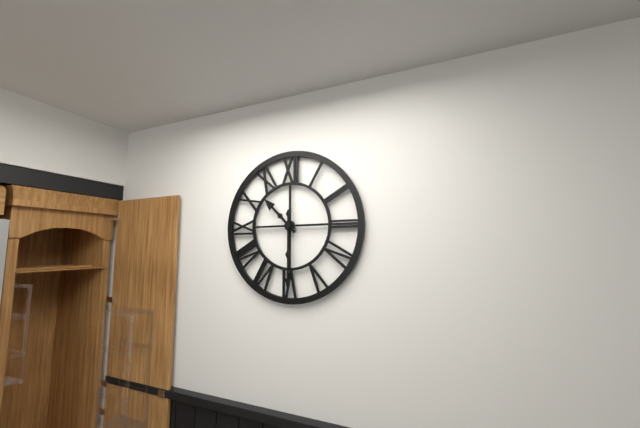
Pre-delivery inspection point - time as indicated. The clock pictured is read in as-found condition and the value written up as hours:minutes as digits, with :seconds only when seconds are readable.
10:30
